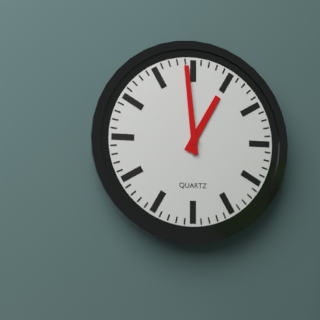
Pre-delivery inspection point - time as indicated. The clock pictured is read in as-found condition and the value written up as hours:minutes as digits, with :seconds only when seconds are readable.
12:59
